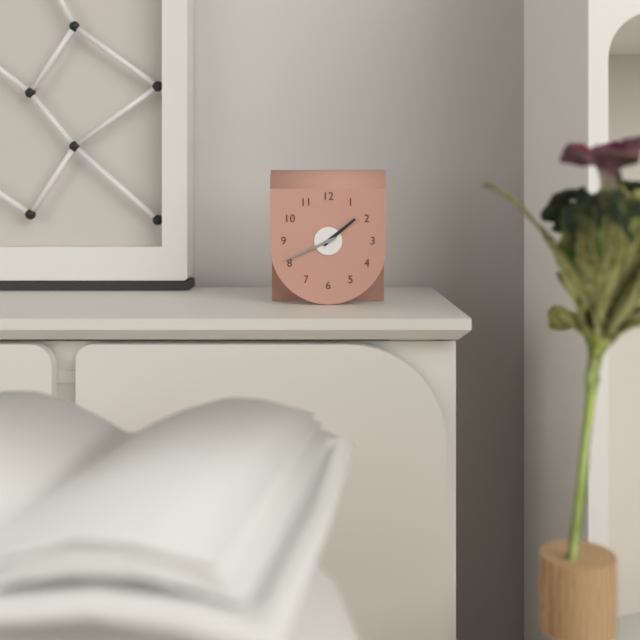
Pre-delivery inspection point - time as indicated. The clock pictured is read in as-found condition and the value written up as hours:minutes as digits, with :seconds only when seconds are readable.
1:41
